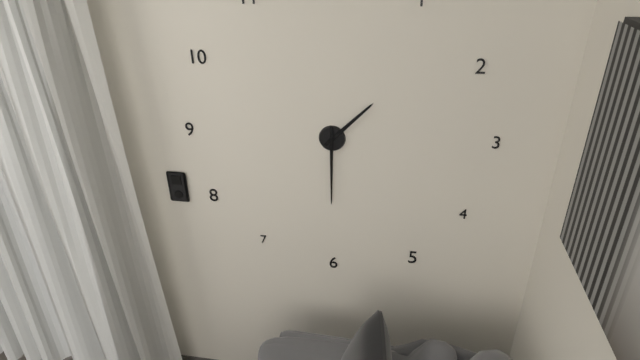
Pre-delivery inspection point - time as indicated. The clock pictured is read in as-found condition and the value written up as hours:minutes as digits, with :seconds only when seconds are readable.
1:30
